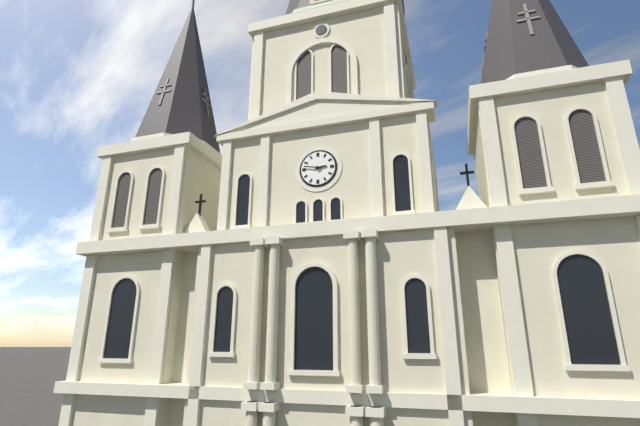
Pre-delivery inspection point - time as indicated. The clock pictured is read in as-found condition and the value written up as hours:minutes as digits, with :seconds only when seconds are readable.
2:47
